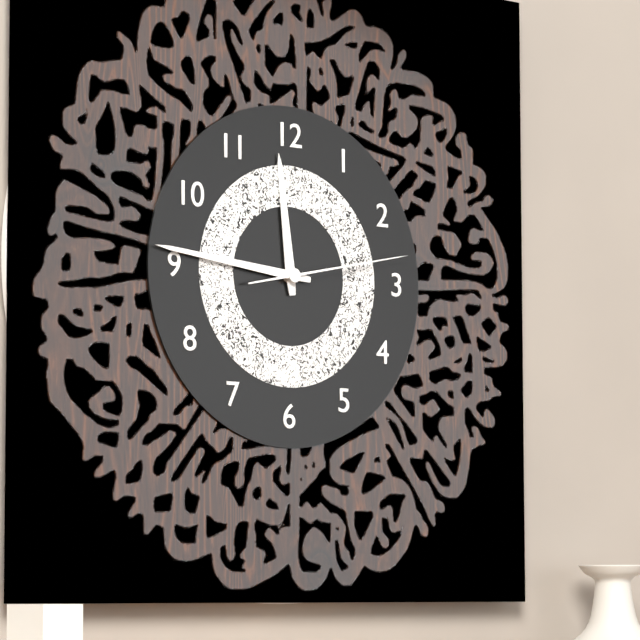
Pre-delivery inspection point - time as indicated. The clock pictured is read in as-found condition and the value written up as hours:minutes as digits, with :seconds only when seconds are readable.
11:46:13
